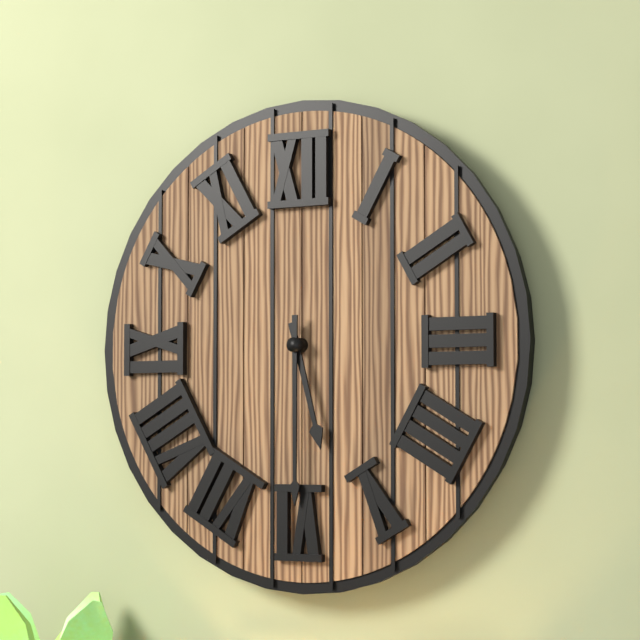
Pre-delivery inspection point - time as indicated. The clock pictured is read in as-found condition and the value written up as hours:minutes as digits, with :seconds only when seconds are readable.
5:30
